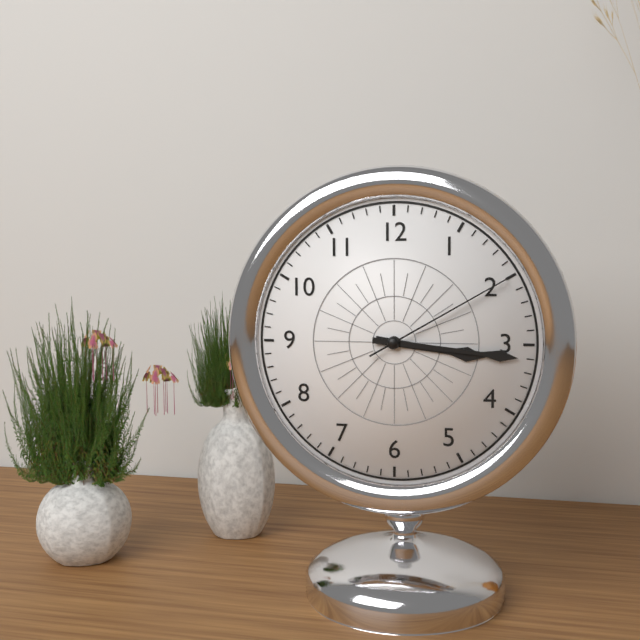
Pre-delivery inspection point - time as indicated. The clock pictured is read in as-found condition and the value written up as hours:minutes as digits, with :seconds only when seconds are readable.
3:16:10
